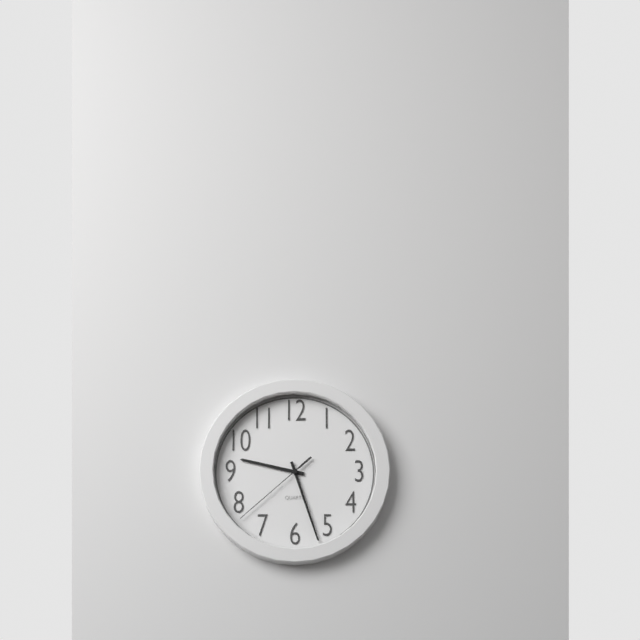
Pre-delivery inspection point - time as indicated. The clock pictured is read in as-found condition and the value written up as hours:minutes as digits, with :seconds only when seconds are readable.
9:27:38
